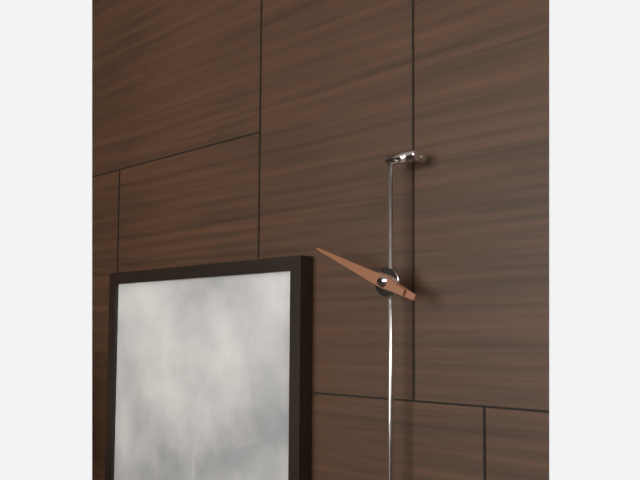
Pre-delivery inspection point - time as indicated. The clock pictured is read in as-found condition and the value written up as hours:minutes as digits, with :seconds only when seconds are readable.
9:49
